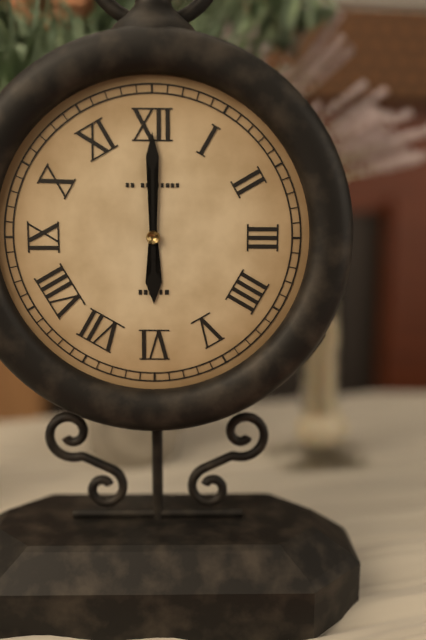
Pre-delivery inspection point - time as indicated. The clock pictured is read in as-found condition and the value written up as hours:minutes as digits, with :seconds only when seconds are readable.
6:00
